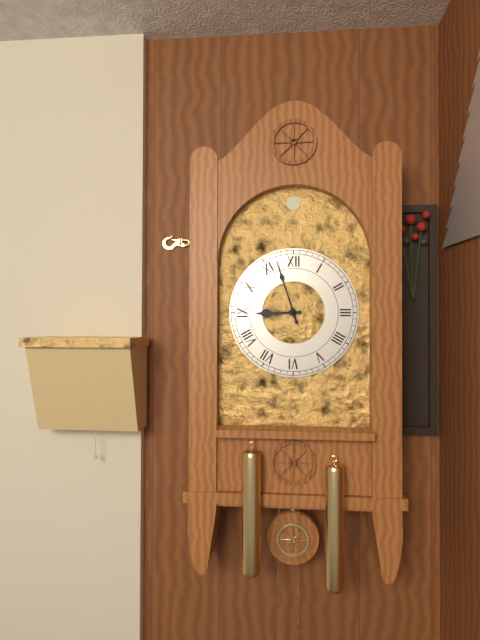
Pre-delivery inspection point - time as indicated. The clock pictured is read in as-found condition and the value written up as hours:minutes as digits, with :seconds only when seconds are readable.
8:57
